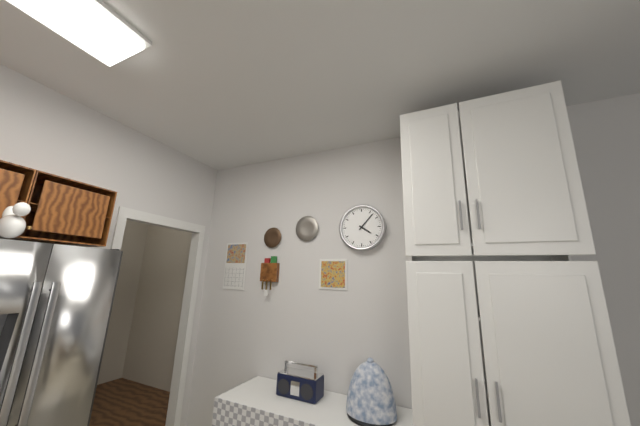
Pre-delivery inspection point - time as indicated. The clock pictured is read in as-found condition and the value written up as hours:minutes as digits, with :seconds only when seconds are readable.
4:07
